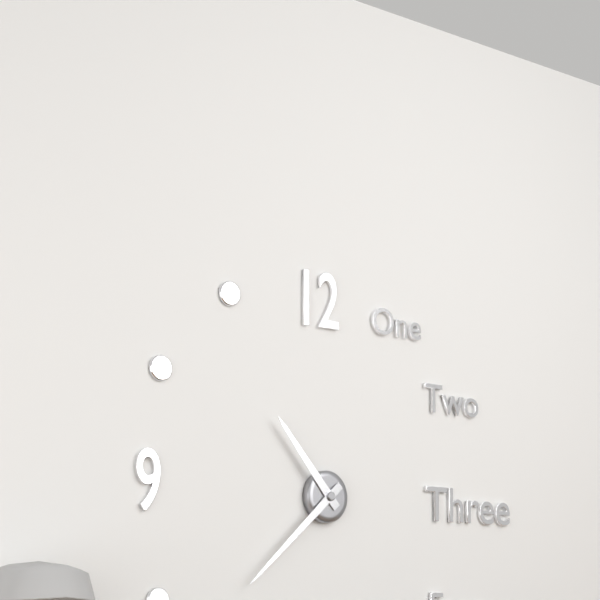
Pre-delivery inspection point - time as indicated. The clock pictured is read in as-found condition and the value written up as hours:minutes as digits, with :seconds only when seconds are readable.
10:38
